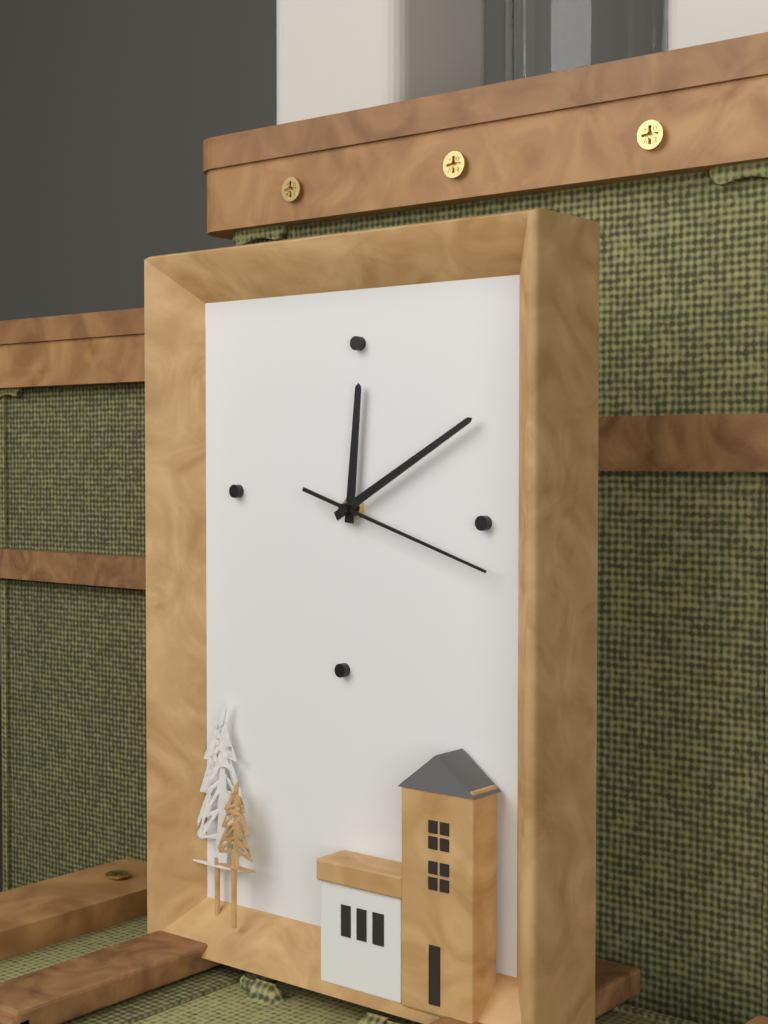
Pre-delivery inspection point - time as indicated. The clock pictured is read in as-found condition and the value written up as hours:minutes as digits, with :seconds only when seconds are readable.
12:10:18
